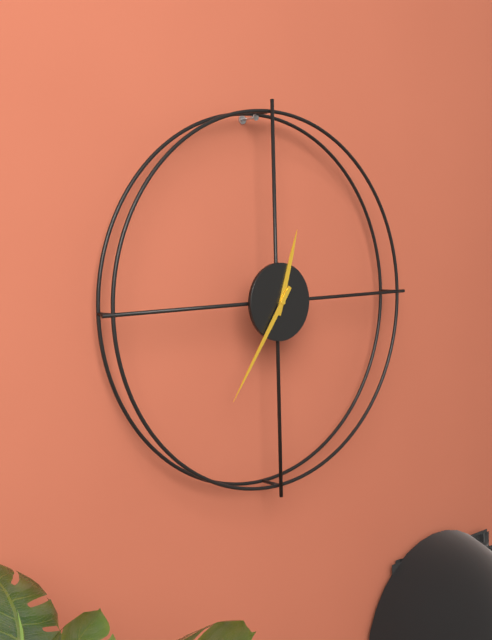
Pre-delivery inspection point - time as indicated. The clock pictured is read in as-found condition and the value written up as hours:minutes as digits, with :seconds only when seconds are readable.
12:36
